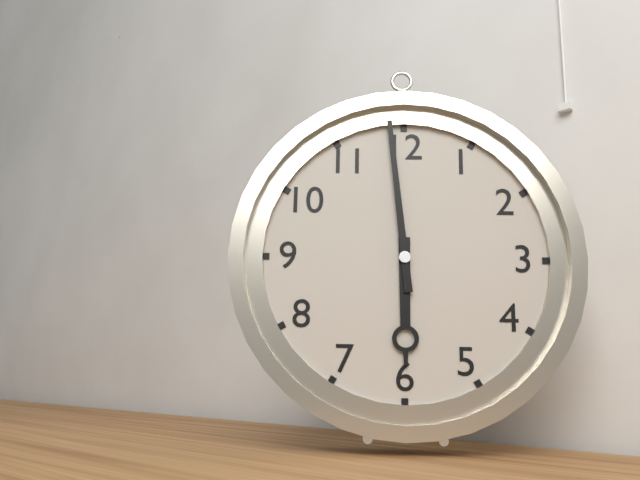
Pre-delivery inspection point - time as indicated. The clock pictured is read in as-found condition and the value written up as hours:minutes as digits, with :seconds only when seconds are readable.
5:59
